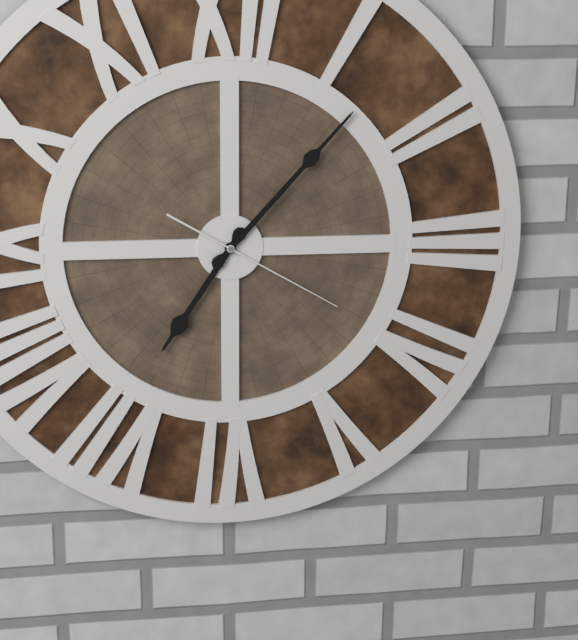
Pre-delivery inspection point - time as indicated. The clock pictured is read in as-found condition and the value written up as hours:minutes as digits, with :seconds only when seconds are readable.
7:07:20
